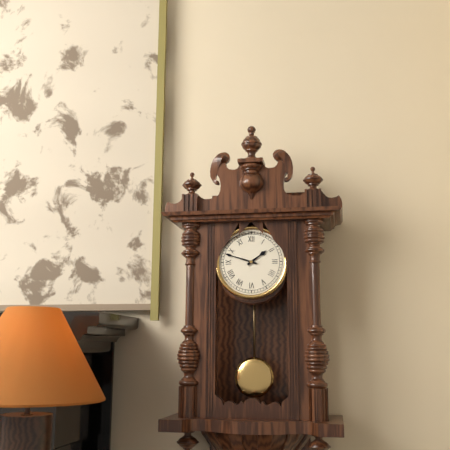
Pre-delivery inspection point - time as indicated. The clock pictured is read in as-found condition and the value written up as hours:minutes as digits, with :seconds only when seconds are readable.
1:48
